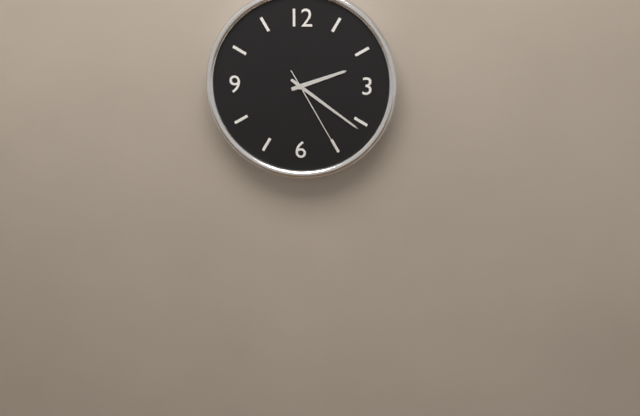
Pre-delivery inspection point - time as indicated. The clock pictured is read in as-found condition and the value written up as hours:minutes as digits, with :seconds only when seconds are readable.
2:21:25
